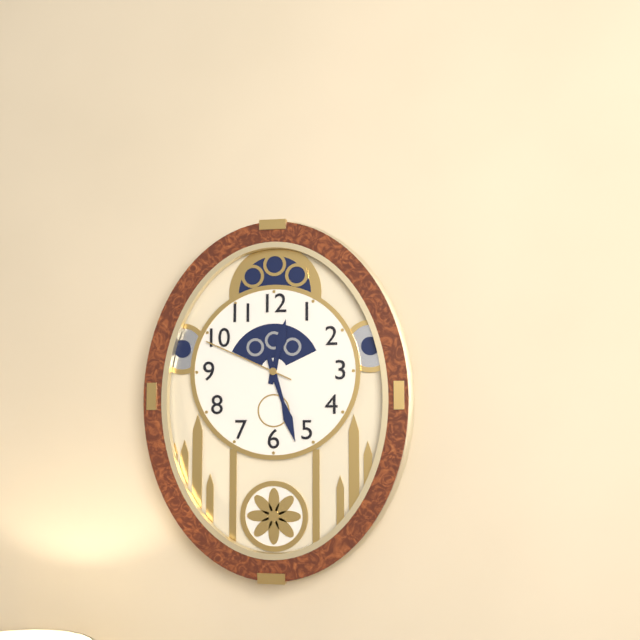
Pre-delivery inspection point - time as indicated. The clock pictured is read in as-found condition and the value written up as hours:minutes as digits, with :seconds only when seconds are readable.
12:27:49
